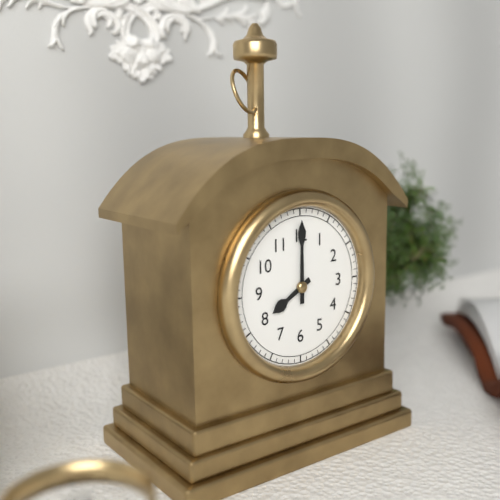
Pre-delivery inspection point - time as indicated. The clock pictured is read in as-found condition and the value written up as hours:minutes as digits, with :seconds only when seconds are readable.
8:00
